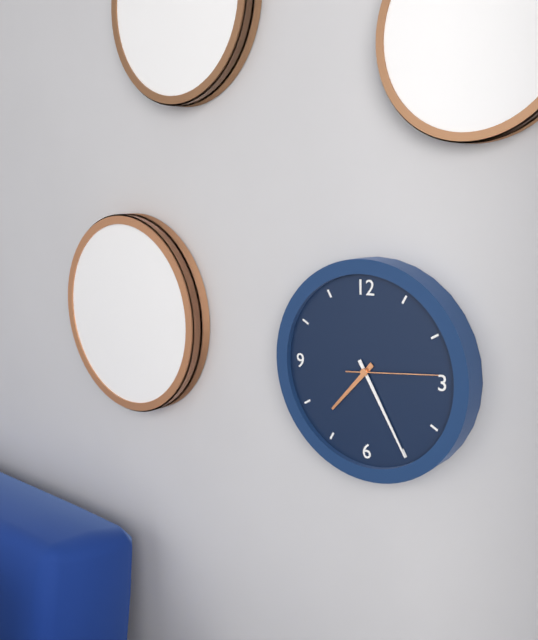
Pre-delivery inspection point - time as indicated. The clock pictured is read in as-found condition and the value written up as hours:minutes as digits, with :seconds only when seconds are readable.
7:25:14
